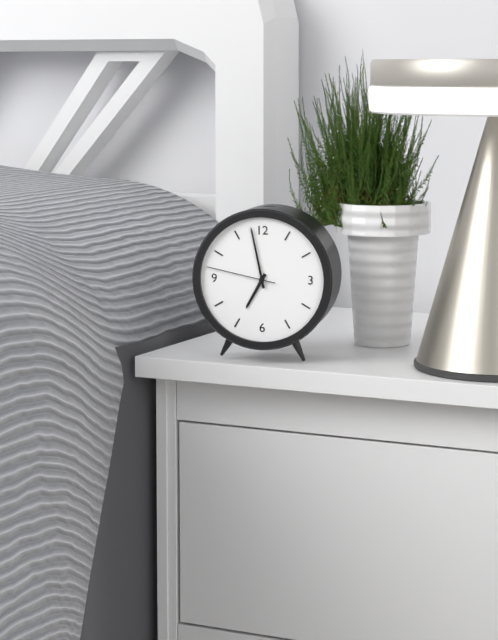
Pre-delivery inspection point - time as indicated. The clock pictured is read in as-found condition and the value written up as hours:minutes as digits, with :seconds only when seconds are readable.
6:58:47
